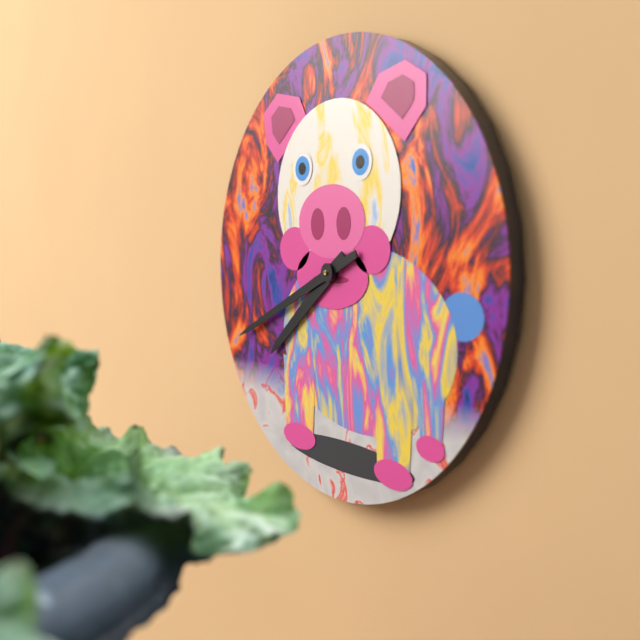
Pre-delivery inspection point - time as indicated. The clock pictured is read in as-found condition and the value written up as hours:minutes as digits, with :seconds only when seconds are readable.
7:41
